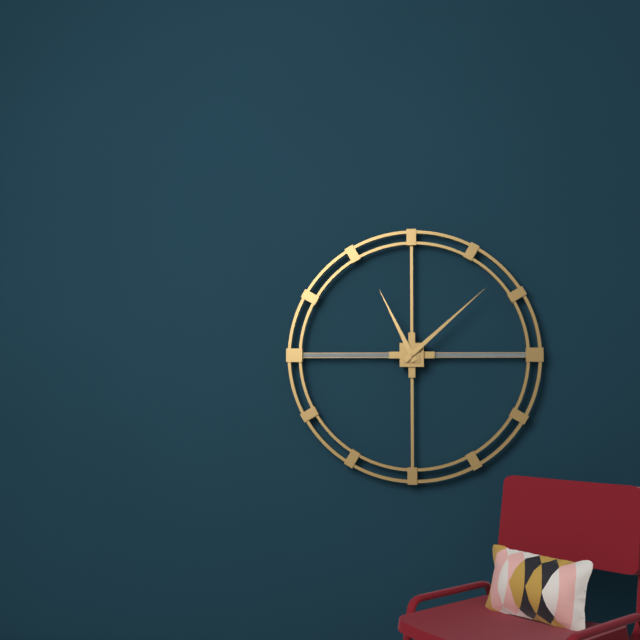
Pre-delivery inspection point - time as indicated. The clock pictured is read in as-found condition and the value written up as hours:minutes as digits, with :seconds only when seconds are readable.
11:08
